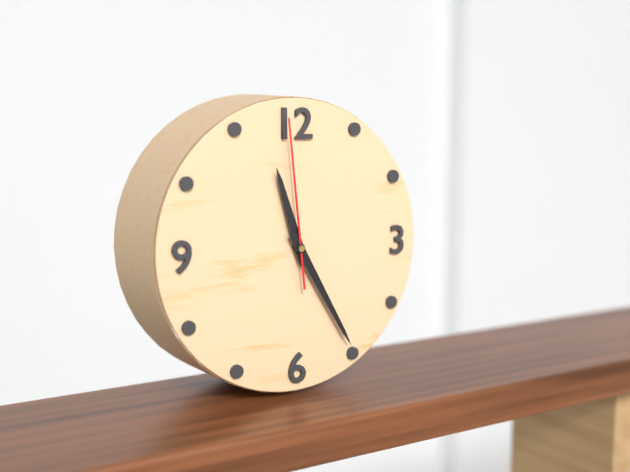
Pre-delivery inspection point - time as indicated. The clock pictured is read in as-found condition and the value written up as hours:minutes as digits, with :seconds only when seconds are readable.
11:25:59
